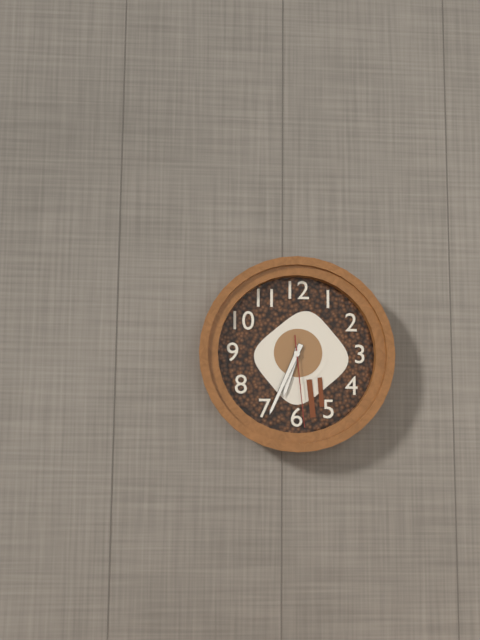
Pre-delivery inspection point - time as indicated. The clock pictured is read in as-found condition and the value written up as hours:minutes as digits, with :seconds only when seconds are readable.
6:34:29
